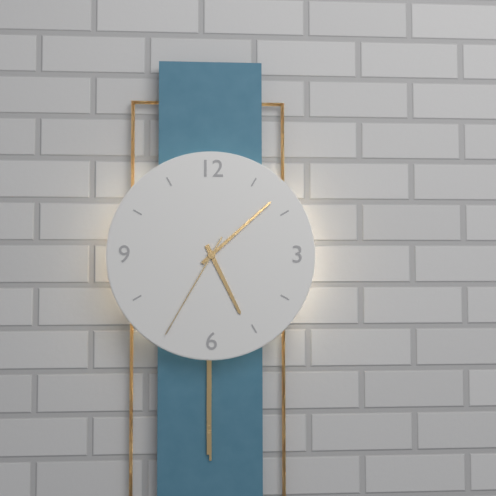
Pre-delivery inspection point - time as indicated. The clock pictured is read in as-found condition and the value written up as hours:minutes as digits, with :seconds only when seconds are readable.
5:08:35
